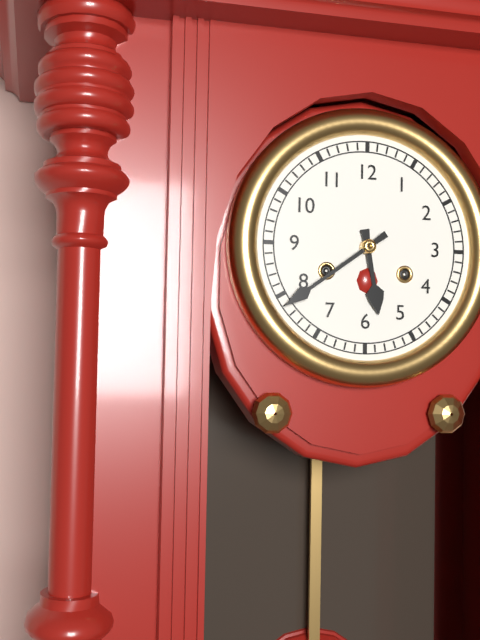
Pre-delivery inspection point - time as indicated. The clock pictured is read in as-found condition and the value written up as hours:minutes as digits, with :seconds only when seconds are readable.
5:39
